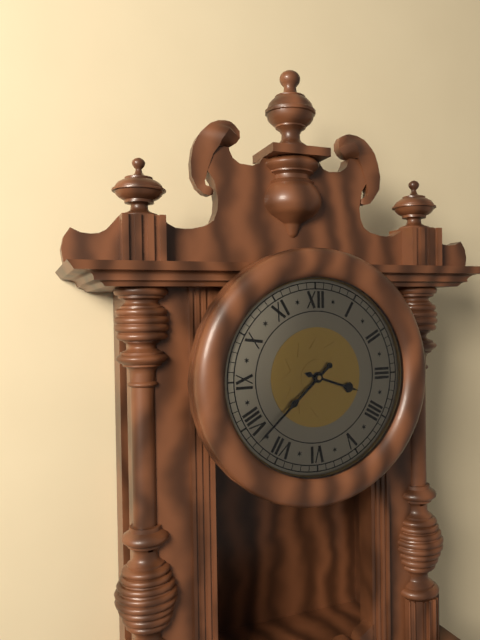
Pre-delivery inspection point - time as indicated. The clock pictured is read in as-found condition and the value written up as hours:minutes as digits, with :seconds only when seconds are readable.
3:38
